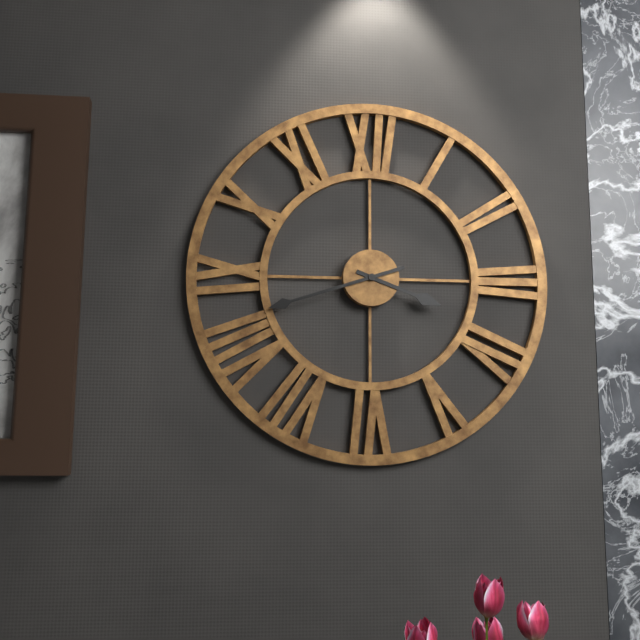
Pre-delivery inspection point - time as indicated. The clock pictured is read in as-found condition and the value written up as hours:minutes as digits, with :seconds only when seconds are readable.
3:42
